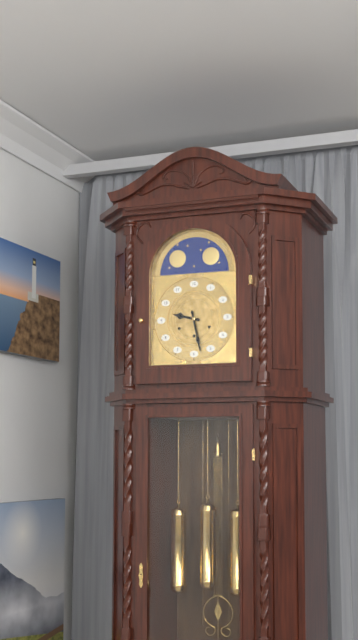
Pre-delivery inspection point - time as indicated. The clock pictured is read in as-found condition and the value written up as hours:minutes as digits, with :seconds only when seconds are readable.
9:28
